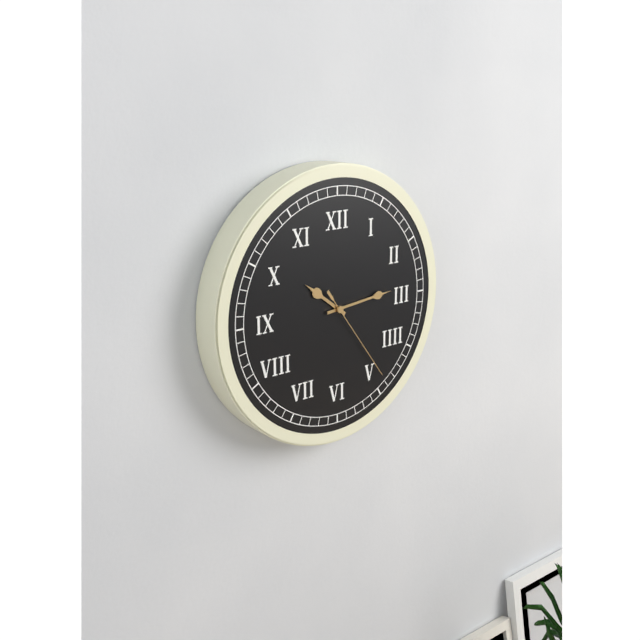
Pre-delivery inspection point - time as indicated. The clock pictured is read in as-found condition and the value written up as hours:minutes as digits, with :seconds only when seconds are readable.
10:14:24
